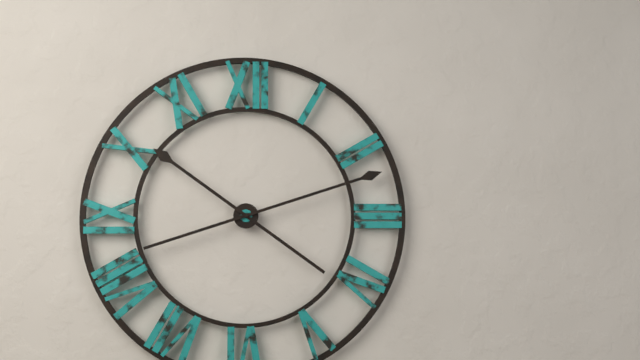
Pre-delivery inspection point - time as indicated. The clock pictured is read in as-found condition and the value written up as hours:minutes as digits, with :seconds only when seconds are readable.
10:12
